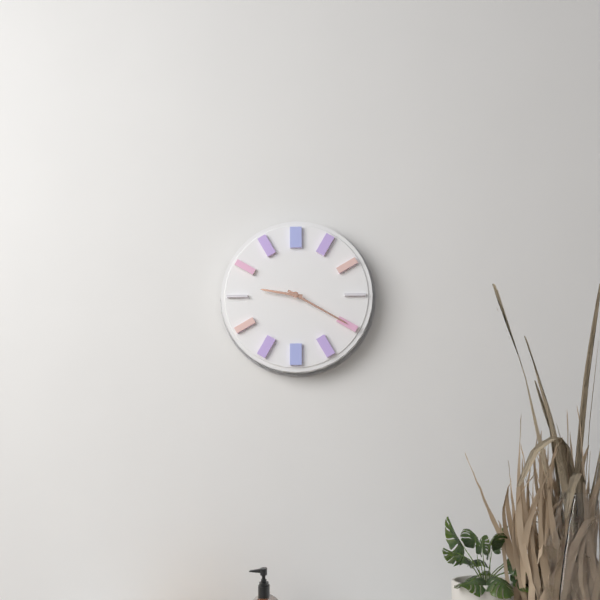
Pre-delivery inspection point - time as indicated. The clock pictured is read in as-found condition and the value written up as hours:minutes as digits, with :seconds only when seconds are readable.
9:20
